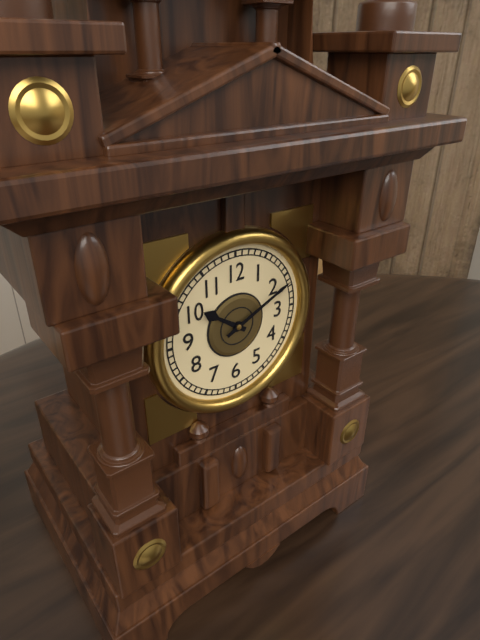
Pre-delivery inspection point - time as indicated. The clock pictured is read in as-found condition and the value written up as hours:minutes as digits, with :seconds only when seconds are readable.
10:11
